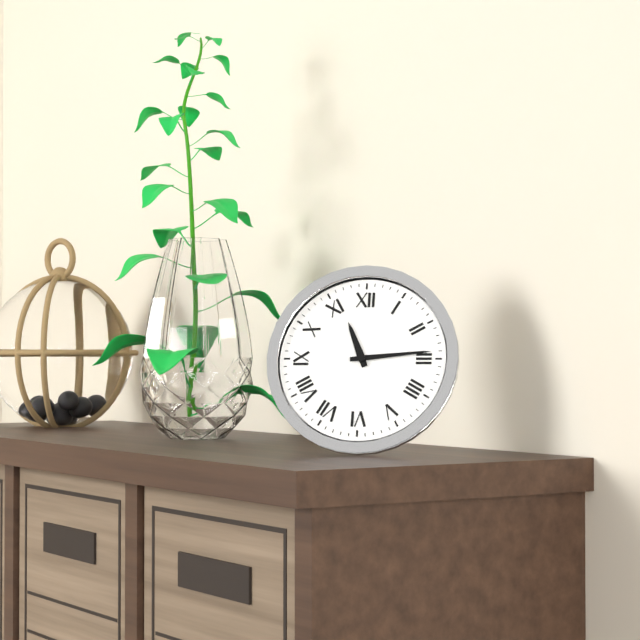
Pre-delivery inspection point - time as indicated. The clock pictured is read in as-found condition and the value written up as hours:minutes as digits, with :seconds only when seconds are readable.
11:14
